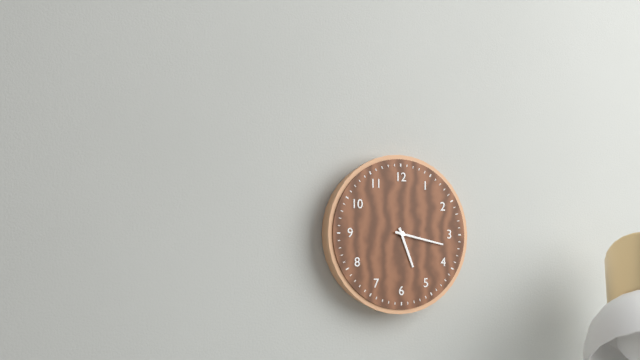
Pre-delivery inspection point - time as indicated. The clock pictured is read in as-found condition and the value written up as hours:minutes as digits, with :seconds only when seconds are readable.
5:17
